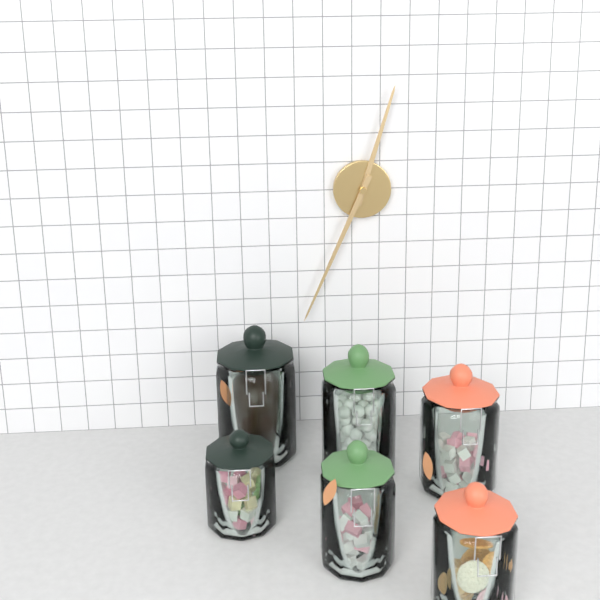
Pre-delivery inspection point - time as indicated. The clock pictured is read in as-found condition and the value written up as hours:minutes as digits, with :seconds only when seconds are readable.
12:34
